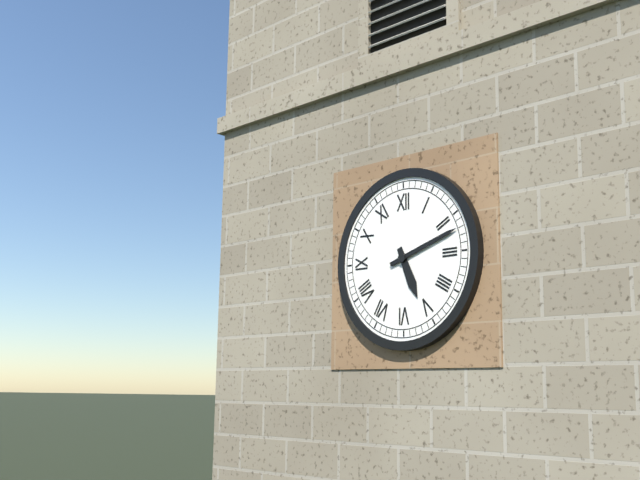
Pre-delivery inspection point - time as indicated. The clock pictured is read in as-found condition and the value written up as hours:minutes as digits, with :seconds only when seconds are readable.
5:12
